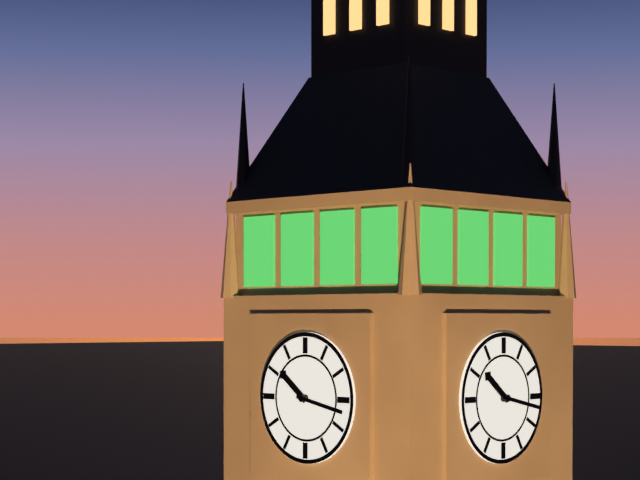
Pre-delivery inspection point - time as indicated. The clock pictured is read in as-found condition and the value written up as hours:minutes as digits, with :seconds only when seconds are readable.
10:17
